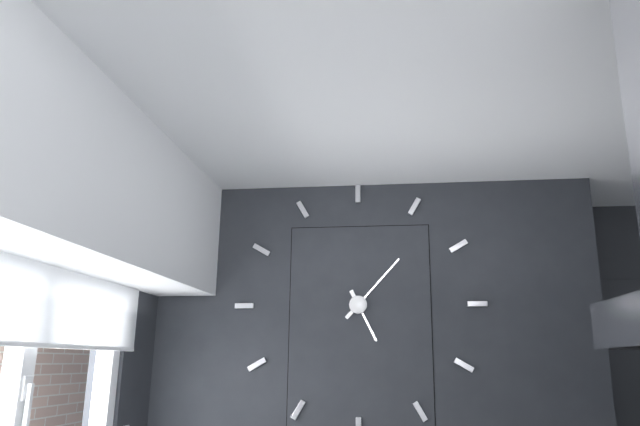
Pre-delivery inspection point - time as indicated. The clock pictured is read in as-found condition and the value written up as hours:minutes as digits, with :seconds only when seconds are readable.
5:07
